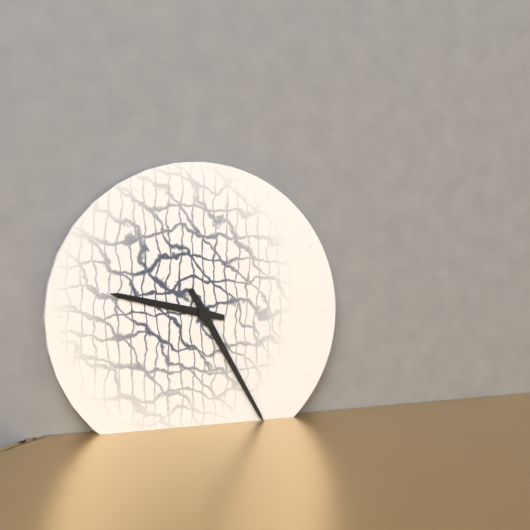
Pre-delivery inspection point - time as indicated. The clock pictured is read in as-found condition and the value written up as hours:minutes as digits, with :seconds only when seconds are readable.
9:25
